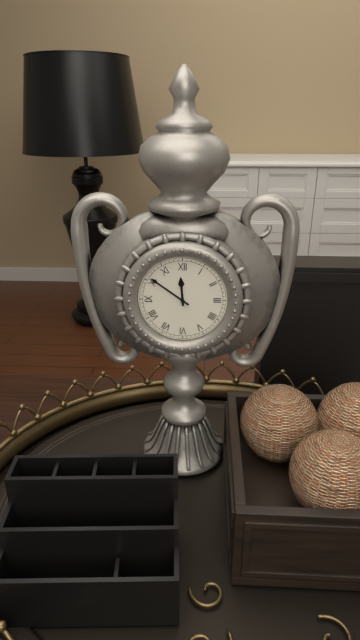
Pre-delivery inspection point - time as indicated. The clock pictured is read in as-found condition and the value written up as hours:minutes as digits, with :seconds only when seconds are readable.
11:51
